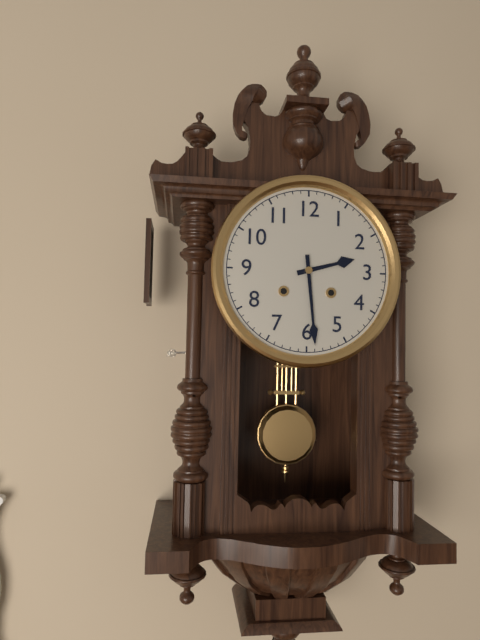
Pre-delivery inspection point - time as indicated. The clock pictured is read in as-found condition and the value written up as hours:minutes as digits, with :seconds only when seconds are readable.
2:29
